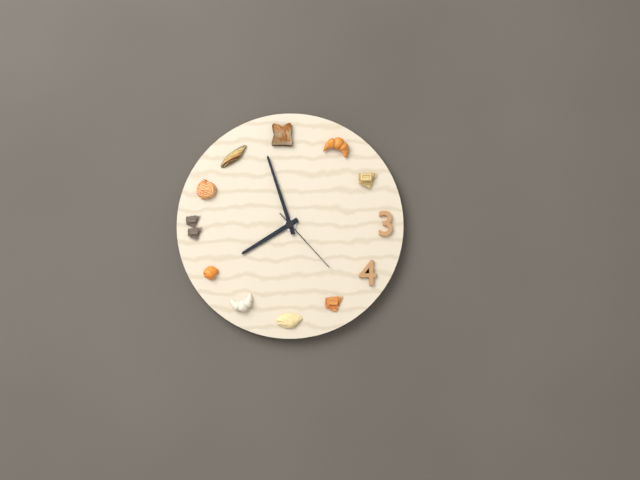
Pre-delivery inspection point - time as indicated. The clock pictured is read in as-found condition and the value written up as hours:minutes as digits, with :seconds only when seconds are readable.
7:57:23
